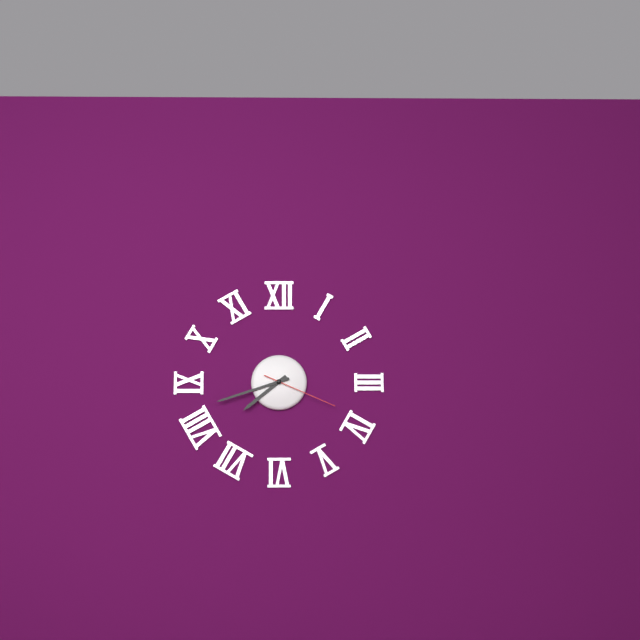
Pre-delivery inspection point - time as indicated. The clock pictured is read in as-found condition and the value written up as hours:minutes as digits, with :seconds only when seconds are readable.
7:42:19
